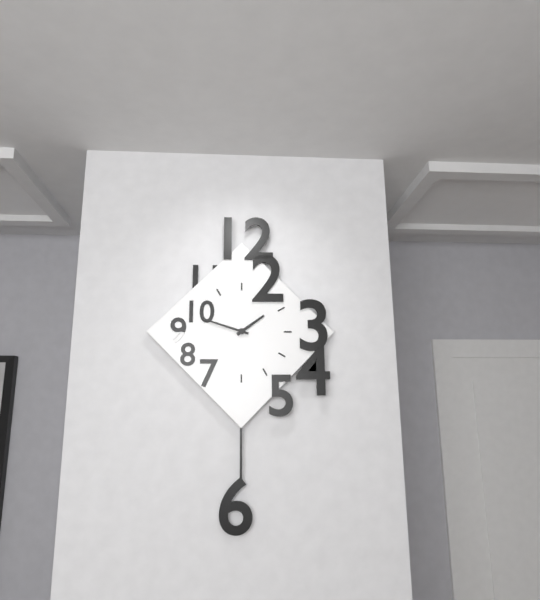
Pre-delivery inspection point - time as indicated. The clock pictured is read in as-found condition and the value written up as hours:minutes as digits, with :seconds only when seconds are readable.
1:48
